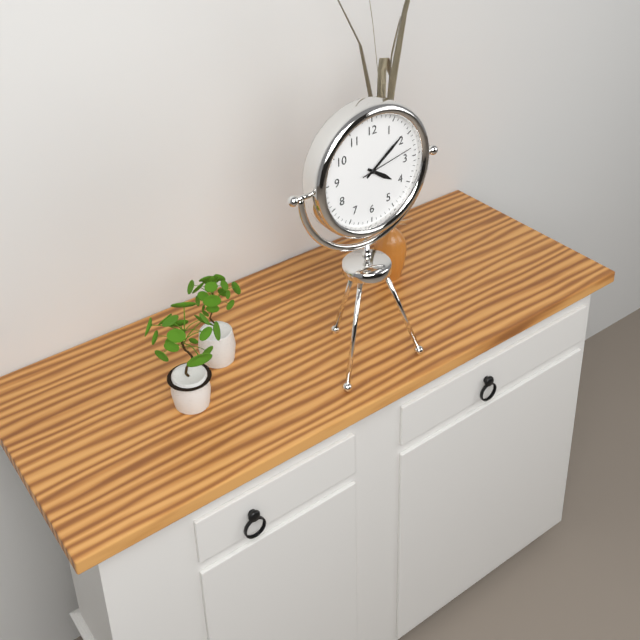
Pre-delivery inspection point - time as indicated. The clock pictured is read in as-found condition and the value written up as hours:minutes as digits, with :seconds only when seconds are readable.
4:09:13
